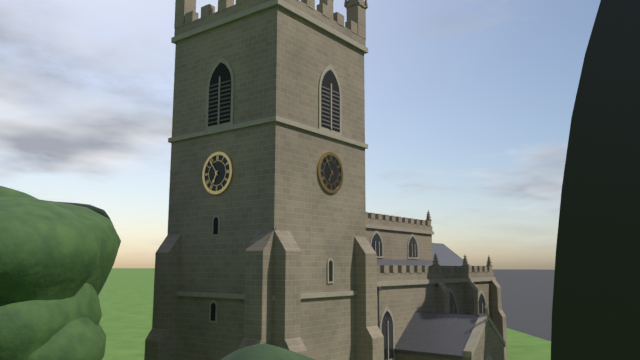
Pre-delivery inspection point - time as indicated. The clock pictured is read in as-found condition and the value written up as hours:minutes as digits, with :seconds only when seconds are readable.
6:54
